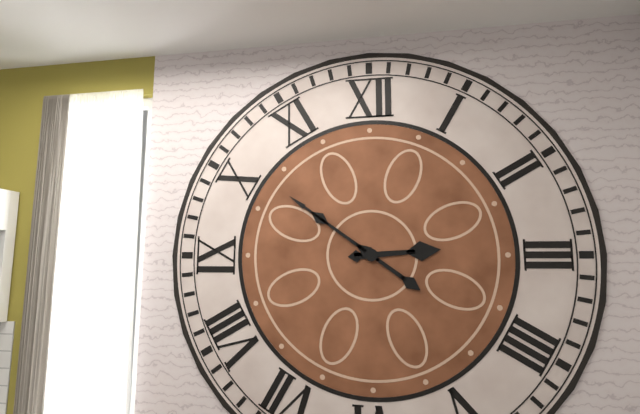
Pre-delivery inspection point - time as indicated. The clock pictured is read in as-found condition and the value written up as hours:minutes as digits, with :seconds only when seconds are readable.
2:51
